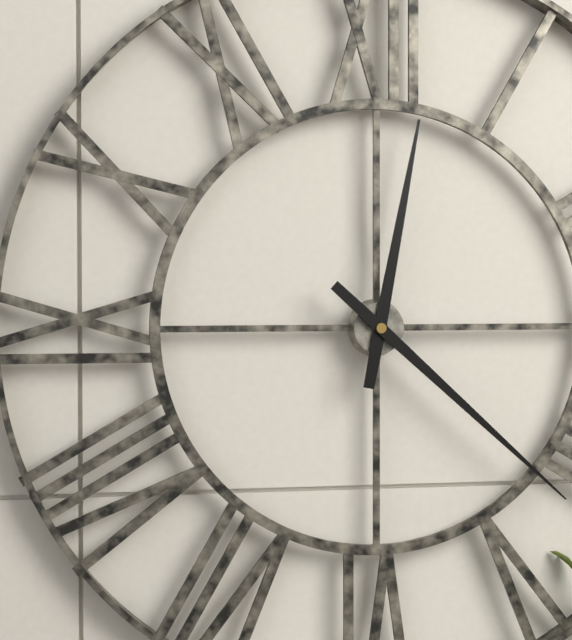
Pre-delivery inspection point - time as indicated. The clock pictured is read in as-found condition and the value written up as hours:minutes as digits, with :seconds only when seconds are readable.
12:22
